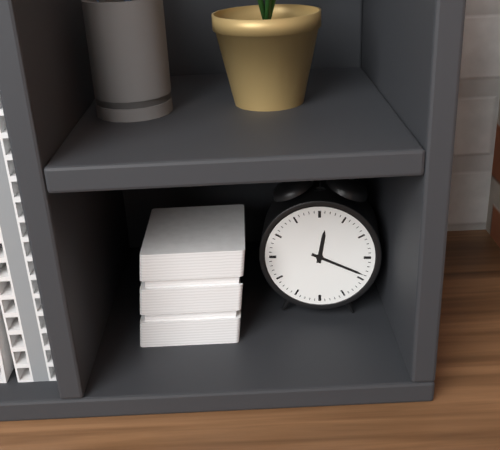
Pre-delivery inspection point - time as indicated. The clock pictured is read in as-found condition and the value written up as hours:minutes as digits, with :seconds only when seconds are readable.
12:19
